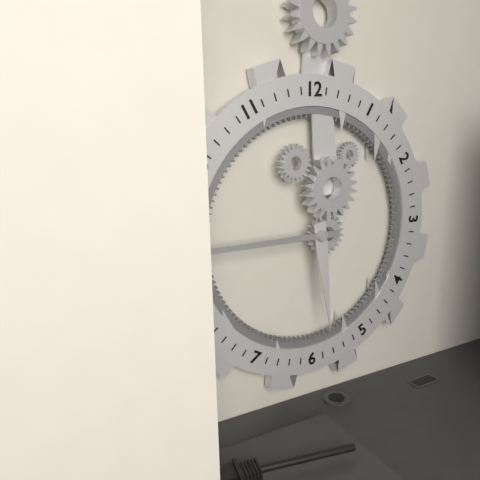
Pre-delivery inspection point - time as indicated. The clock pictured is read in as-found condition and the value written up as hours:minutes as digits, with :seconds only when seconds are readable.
5:45
